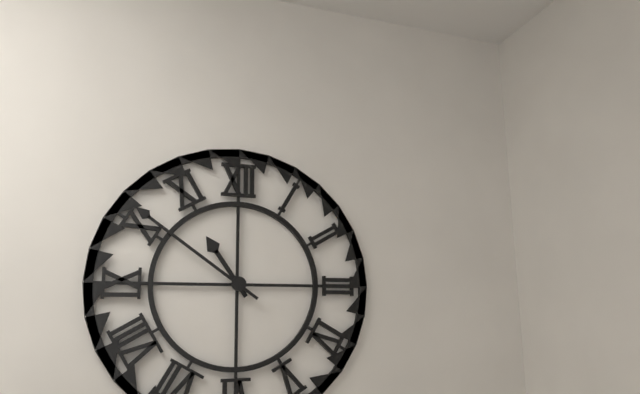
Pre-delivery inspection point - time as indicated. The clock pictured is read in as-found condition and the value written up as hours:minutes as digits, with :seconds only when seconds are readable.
10:51
